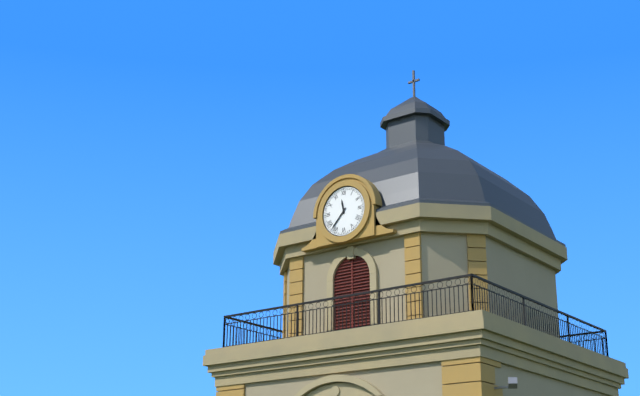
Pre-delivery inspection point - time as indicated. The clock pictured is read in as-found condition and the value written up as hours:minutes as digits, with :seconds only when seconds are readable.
11:37
